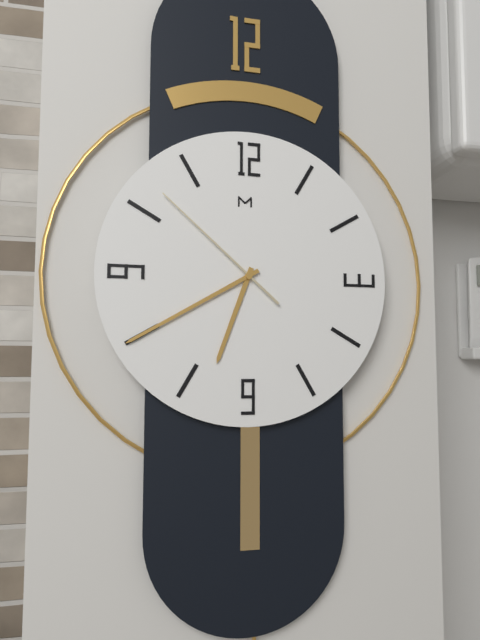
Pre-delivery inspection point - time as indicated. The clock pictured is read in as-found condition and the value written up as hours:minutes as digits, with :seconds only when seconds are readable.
6:40:52
